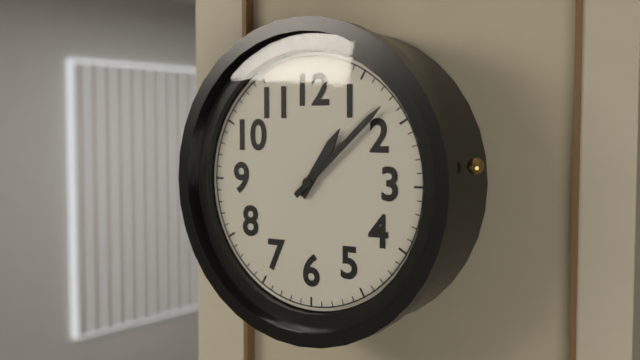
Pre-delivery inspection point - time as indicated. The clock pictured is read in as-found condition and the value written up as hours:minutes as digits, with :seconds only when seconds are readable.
1:08
